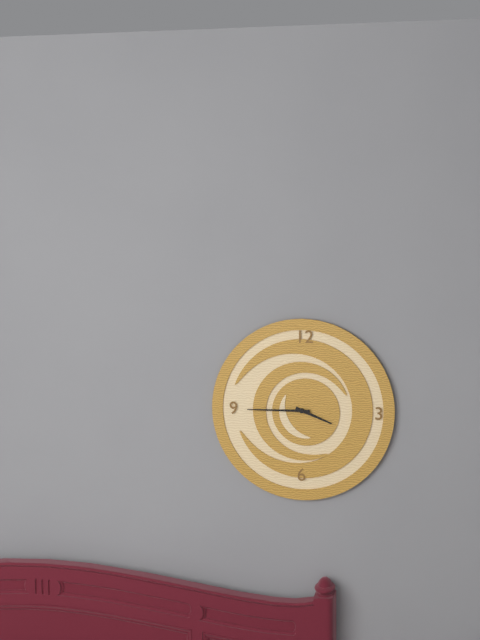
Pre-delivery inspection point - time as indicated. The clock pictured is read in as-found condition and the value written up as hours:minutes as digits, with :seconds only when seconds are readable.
3:45
